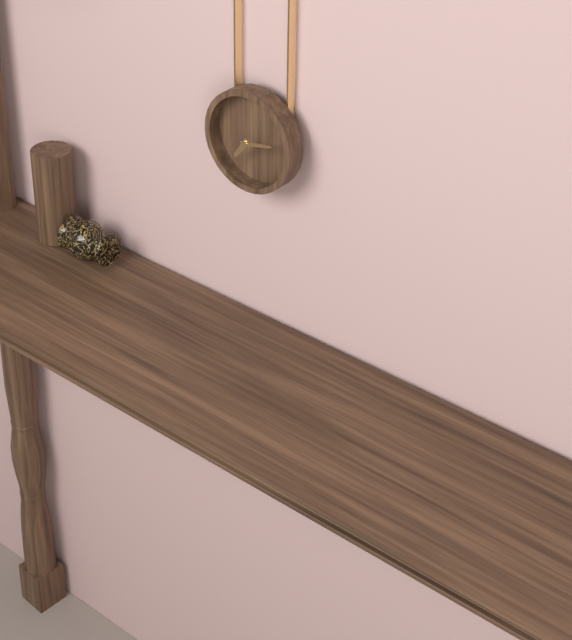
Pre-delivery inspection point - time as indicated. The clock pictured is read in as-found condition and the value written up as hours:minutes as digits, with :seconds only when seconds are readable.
7:13
